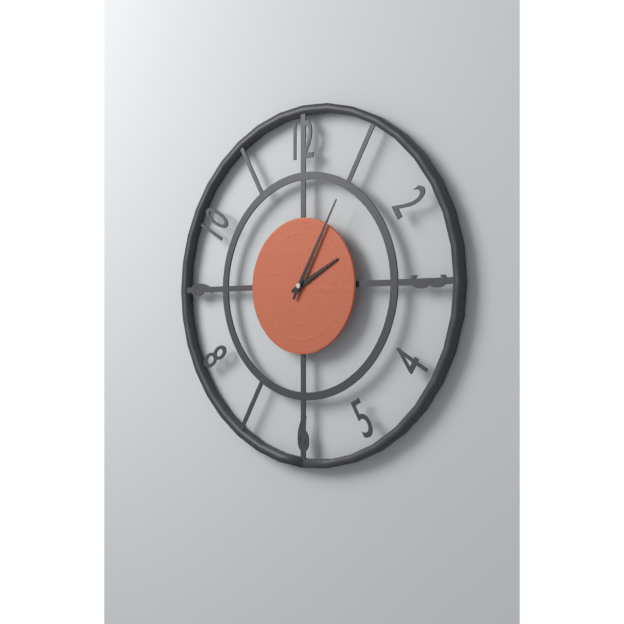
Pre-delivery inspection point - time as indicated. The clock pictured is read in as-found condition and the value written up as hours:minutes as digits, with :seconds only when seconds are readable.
2:05
